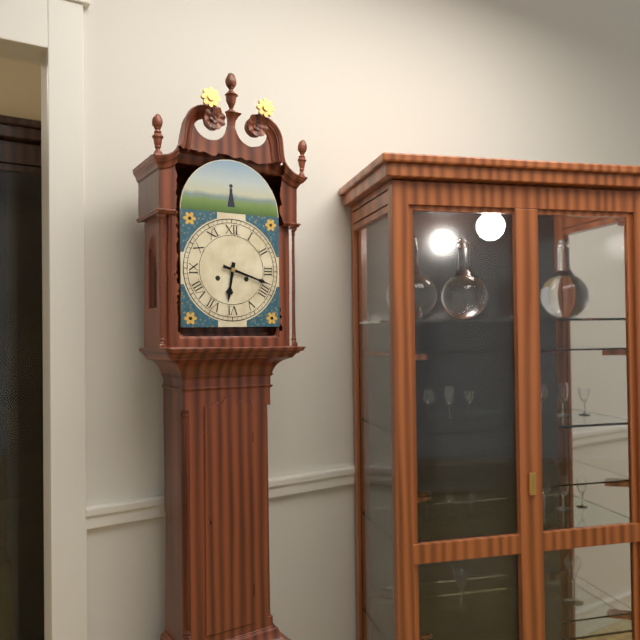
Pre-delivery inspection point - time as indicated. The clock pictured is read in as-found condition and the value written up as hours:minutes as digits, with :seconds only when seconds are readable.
6:18
